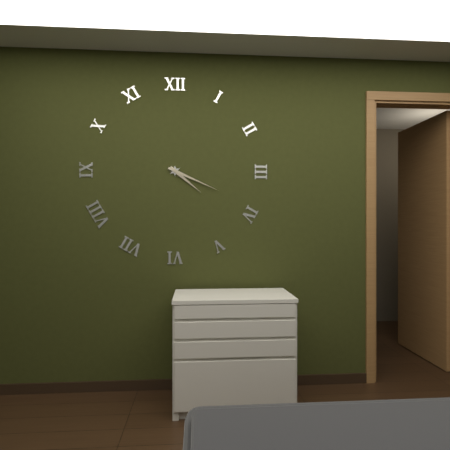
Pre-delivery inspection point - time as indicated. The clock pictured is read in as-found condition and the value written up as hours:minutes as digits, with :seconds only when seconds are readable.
4:19
